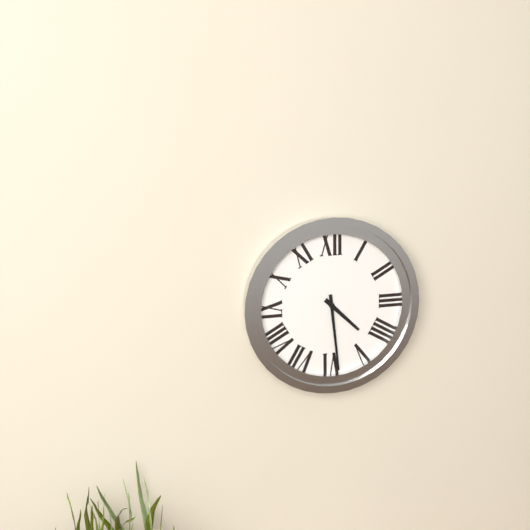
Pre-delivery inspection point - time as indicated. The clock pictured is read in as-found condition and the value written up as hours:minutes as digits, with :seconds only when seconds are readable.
4:29
